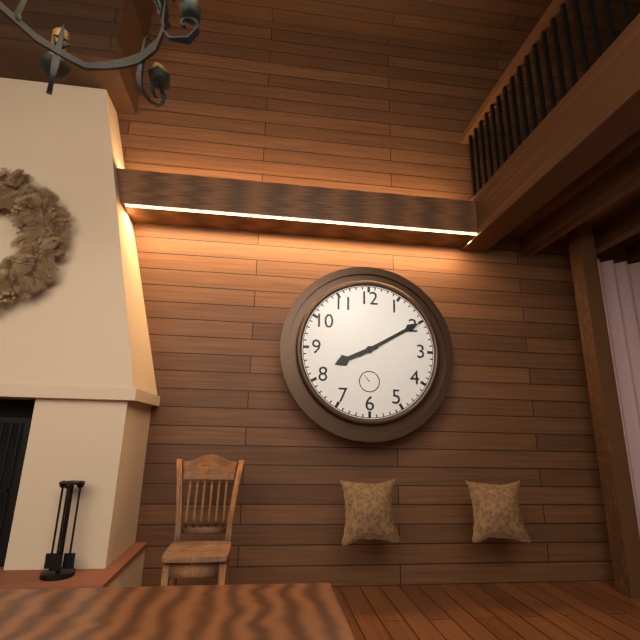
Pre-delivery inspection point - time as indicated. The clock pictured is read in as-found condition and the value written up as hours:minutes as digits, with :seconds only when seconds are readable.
8:10
